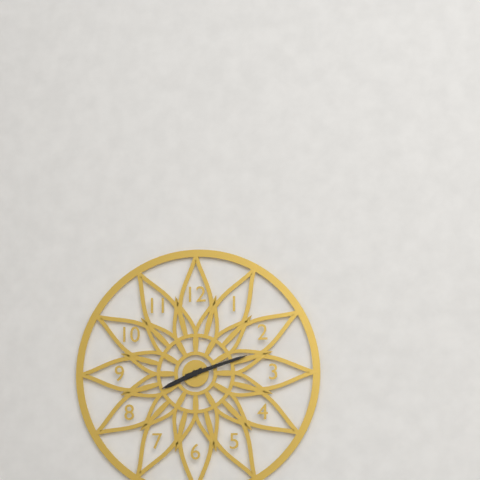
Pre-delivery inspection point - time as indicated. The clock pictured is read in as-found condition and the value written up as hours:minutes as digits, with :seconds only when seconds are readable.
8:12
